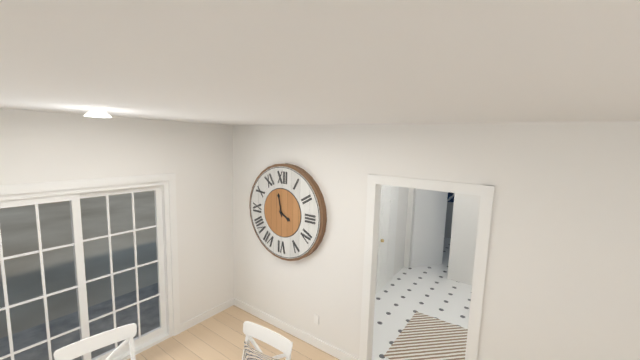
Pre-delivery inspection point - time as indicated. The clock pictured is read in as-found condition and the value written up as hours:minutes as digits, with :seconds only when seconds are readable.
3:58
